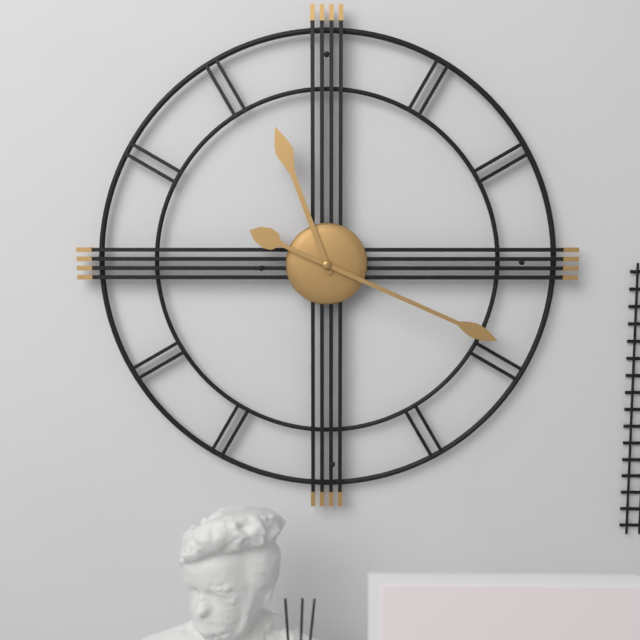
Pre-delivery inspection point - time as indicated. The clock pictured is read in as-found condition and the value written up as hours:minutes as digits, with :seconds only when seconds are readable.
11:19
